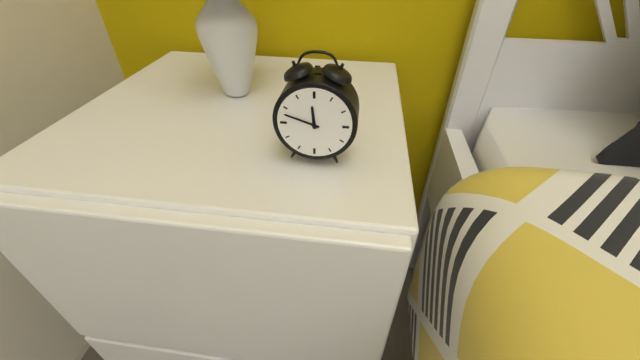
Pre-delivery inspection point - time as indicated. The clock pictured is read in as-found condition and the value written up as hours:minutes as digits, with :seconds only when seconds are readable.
11:48
